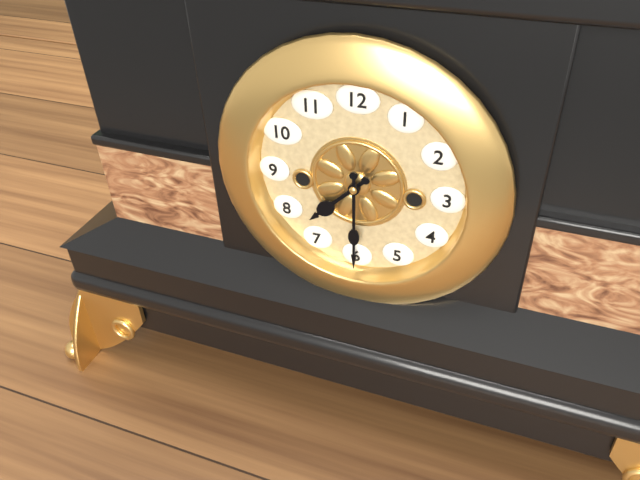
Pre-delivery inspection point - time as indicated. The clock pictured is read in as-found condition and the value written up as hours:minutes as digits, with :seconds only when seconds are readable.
7:30
